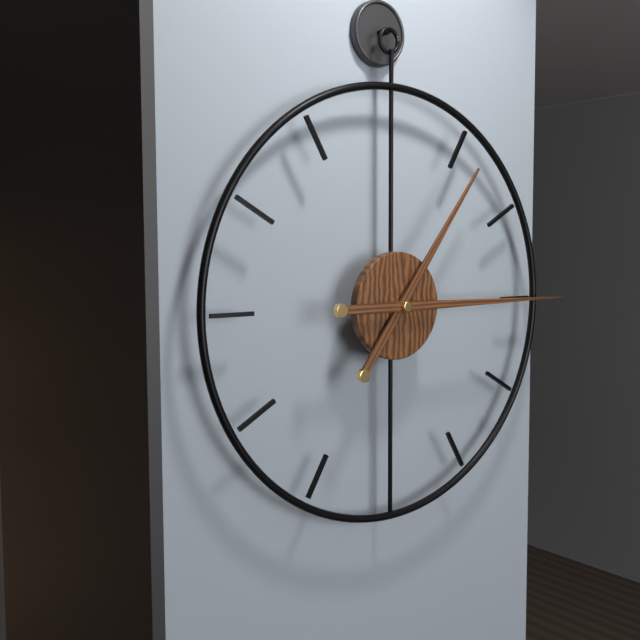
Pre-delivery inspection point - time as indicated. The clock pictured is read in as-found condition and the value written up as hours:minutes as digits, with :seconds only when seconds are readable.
1:15
